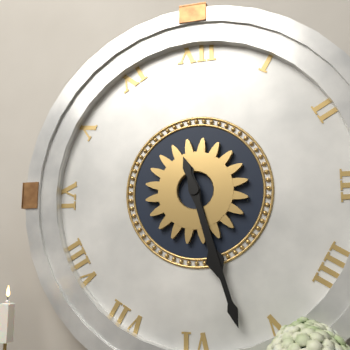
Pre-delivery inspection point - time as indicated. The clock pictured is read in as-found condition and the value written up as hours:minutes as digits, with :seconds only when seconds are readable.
5:27
